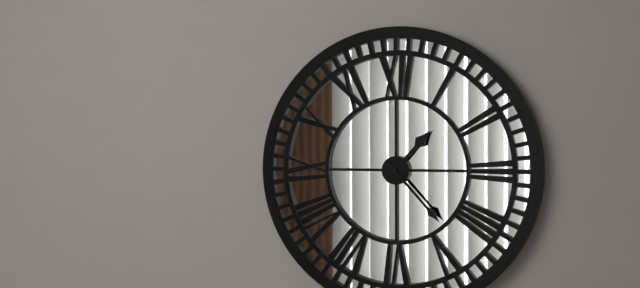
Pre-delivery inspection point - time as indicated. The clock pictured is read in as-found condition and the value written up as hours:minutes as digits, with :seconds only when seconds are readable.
1:23
